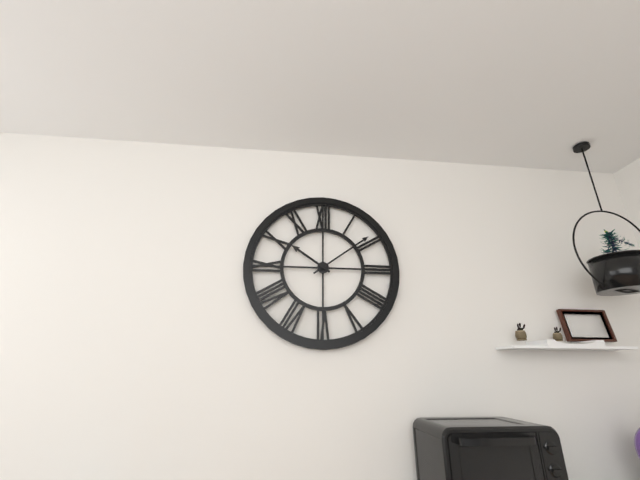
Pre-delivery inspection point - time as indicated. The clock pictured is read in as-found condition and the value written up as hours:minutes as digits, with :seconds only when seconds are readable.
10:09
